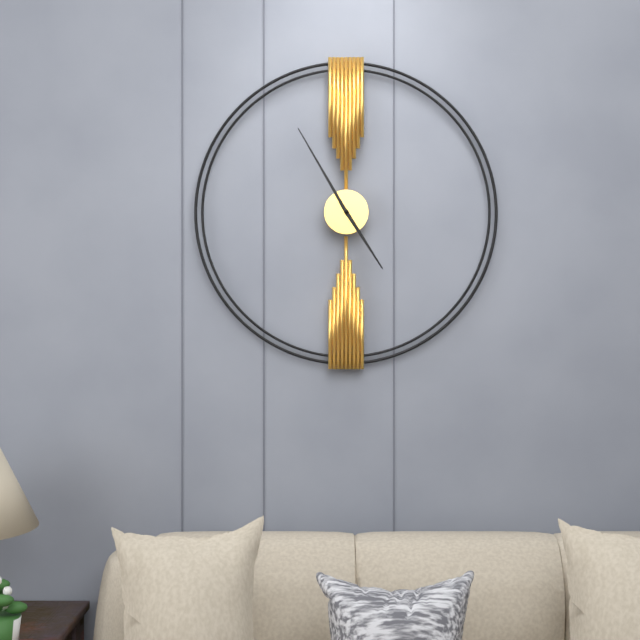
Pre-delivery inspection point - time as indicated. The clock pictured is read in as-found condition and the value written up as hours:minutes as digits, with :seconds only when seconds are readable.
4:55
